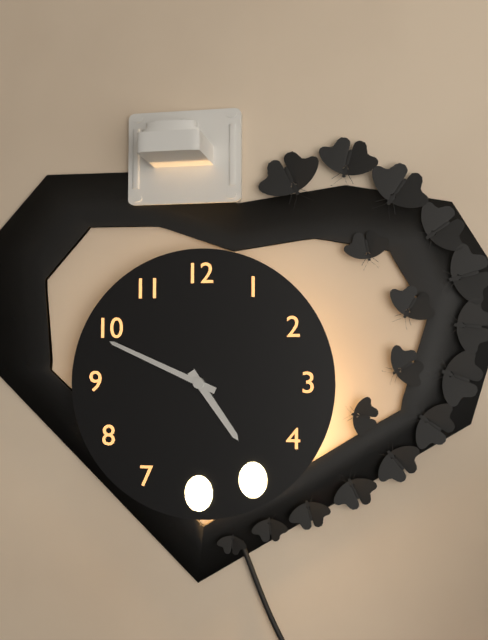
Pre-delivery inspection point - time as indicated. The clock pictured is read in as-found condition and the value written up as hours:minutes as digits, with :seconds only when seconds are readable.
4:49
